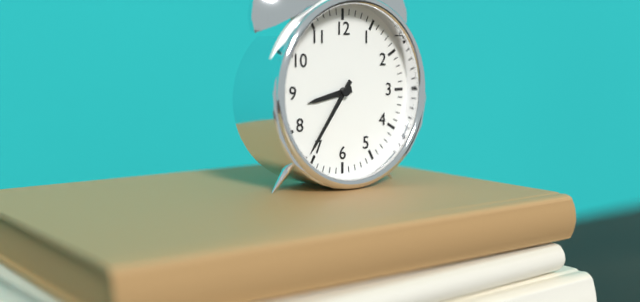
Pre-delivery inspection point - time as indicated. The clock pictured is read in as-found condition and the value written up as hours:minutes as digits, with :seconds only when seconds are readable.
8:36
